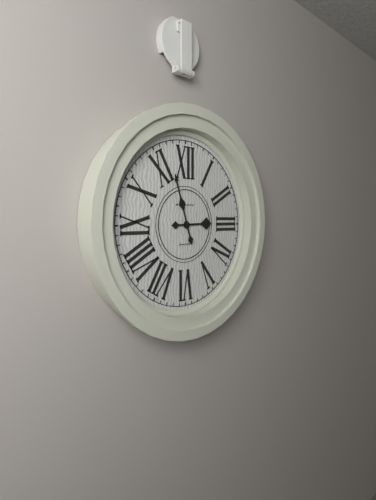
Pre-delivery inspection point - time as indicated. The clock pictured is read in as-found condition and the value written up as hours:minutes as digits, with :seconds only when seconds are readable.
2:57
